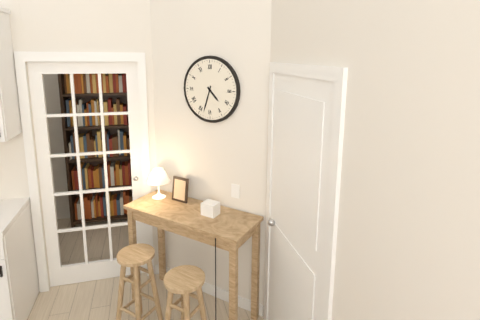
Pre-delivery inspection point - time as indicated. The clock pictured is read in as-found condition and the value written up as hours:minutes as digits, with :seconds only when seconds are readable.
4:33
